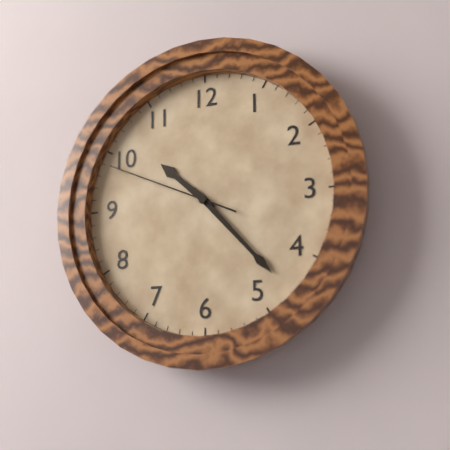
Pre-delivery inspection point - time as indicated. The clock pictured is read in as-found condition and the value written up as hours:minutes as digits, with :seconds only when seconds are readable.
10:23:49
